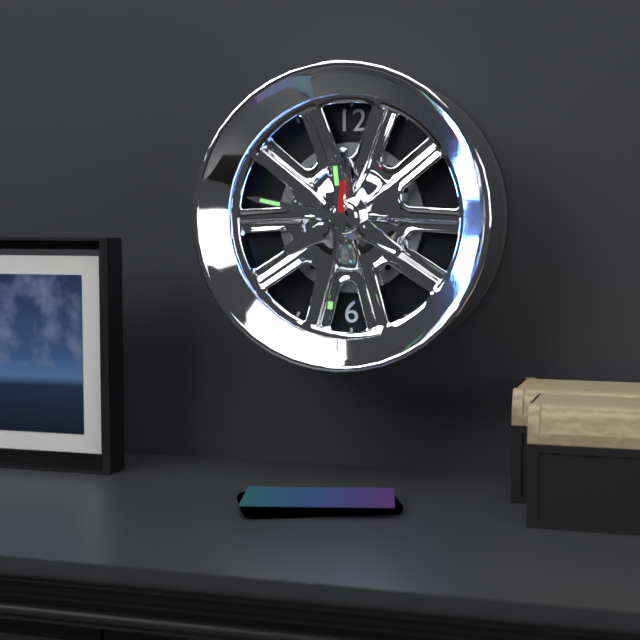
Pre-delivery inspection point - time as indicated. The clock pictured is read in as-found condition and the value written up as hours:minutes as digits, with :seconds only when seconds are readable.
11:47:31
